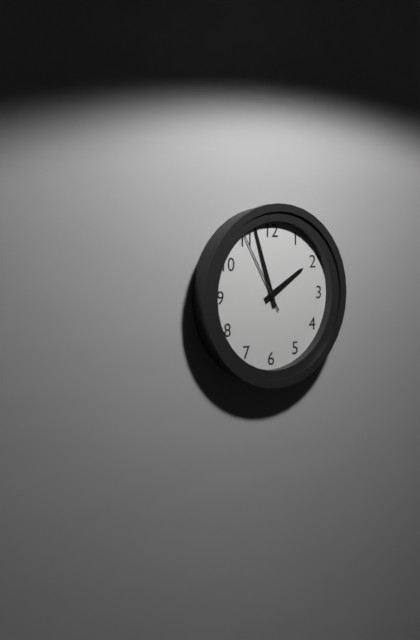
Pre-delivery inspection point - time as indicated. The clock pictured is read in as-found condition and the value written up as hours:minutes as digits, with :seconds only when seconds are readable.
1:57:55
